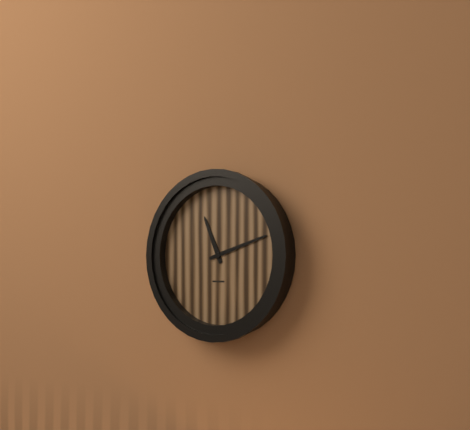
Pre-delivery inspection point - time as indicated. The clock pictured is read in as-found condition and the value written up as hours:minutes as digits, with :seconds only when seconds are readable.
11:12
